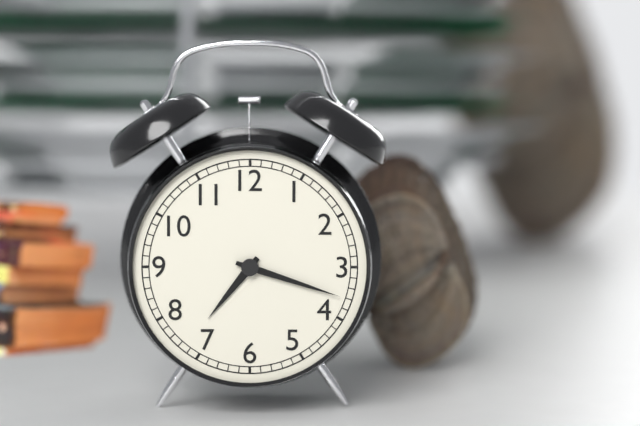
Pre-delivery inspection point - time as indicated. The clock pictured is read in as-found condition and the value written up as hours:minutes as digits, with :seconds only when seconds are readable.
7:18
